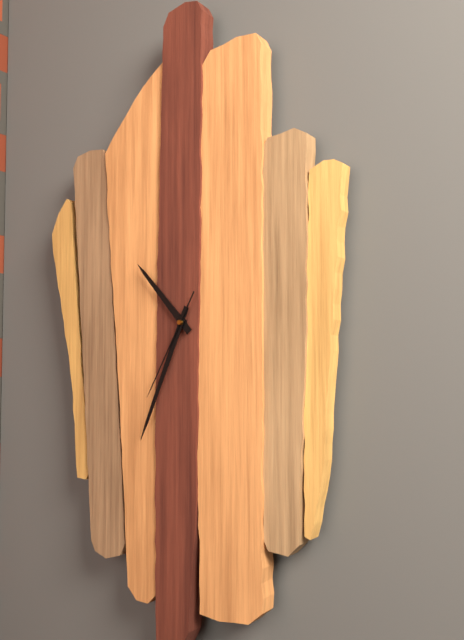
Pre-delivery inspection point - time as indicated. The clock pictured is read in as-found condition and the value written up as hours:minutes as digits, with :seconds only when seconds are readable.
10:34:35
